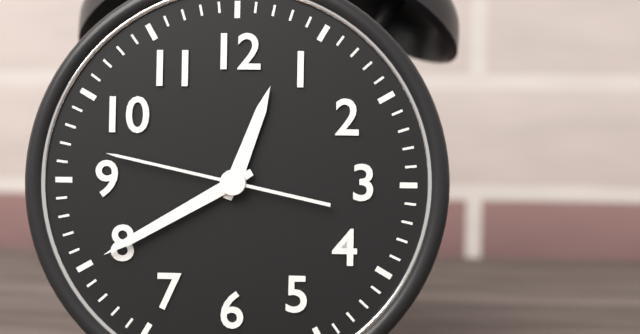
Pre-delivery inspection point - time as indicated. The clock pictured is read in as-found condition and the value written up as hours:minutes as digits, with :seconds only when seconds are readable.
12:40:47
